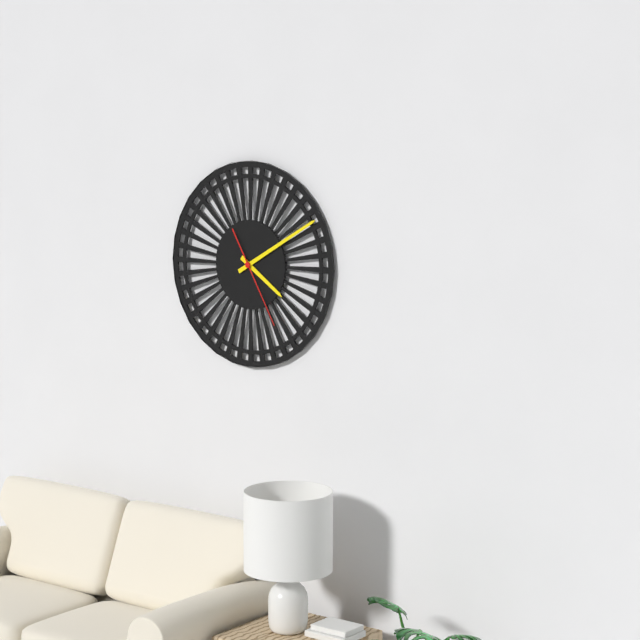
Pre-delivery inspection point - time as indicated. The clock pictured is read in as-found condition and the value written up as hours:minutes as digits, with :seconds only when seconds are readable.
4:10:25
